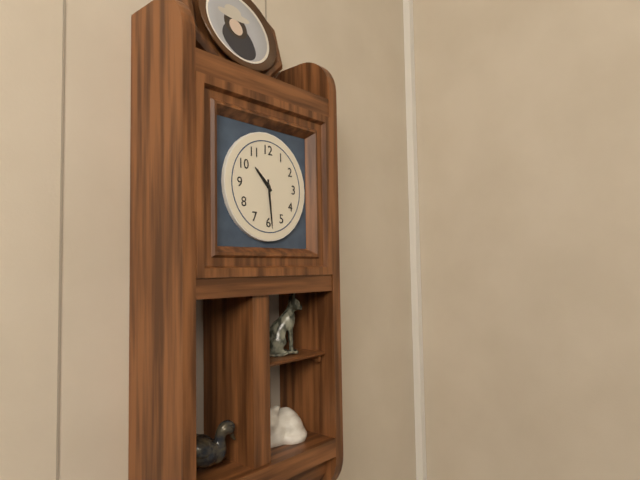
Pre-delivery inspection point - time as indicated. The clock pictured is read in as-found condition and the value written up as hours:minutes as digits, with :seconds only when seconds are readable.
10:29
